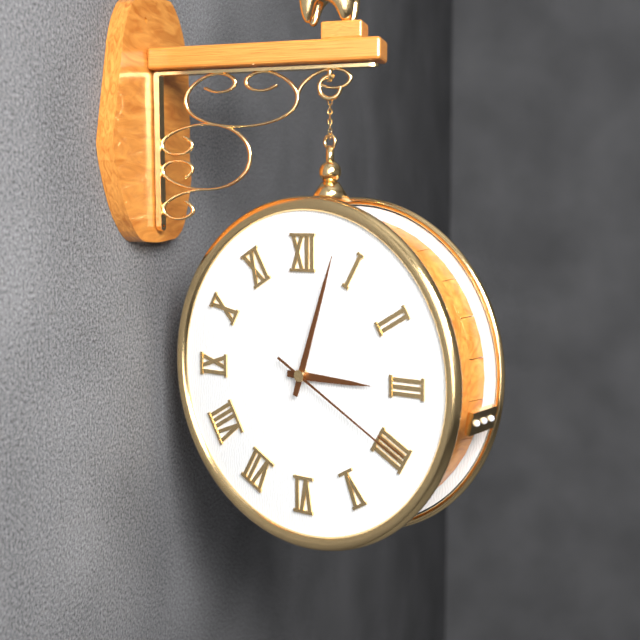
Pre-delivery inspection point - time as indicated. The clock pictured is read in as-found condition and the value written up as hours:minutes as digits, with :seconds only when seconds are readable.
3:03:20
